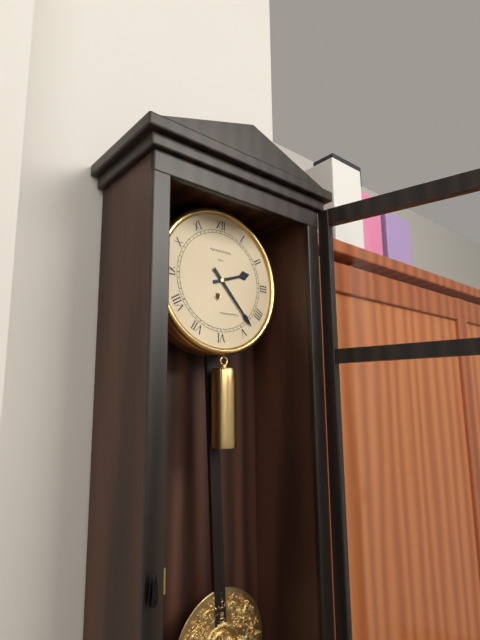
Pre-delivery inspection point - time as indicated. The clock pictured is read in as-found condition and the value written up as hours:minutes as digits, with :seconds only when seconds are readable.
2:23
